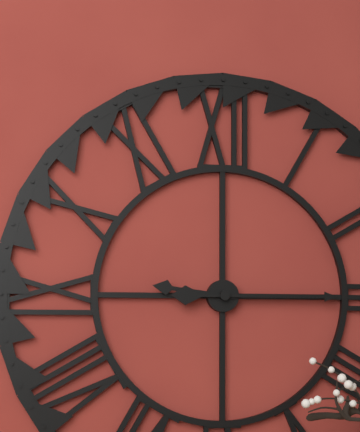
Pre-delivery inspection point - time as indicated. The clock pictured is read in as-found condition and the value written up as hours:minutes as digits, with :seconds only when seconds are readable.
9:15
